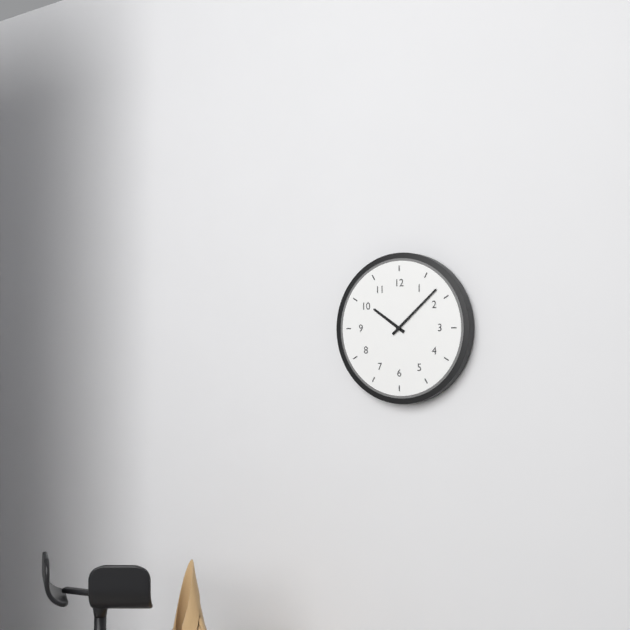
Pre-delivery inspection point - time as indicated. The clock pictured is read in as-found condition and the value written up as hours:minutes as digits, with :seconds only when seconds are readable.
10:08
